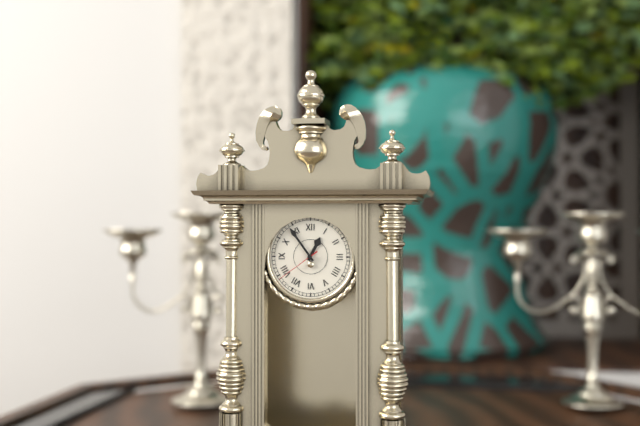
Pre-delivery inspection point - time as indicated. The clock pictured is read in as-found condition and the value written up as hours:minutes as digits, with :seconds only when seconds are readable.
12:54
